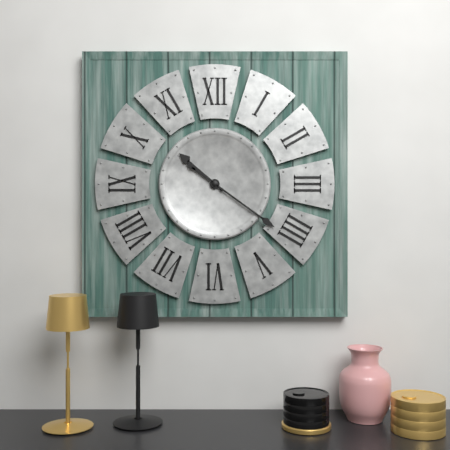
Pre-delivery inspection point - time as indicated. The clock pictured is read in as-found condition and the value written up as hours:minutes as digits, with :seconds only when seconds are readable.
10:21
